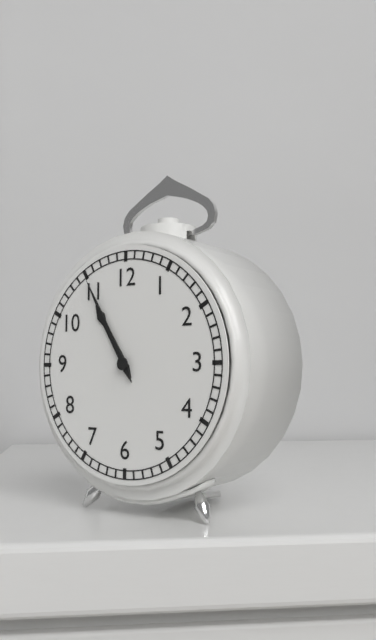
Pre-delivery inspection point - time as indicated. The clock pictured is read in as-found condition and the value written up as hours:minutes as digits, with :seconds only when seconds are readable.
10:55
